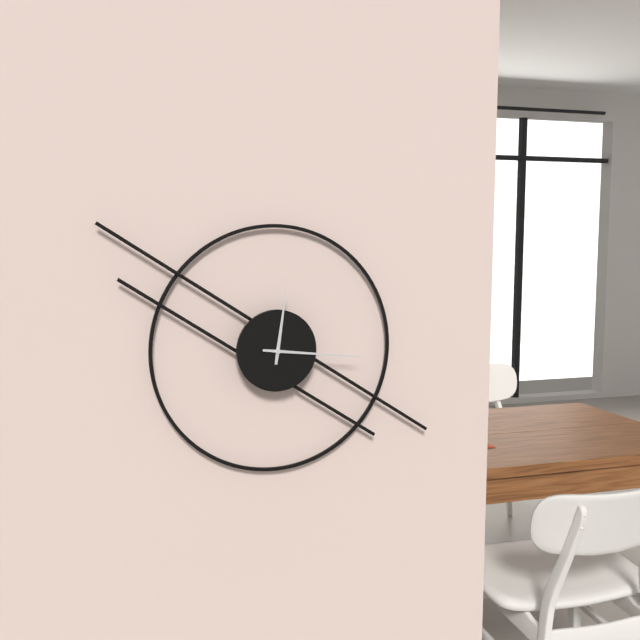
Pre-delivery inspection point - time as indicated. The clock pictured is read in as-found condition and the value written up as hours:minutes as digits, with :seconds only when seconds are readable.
12:16
